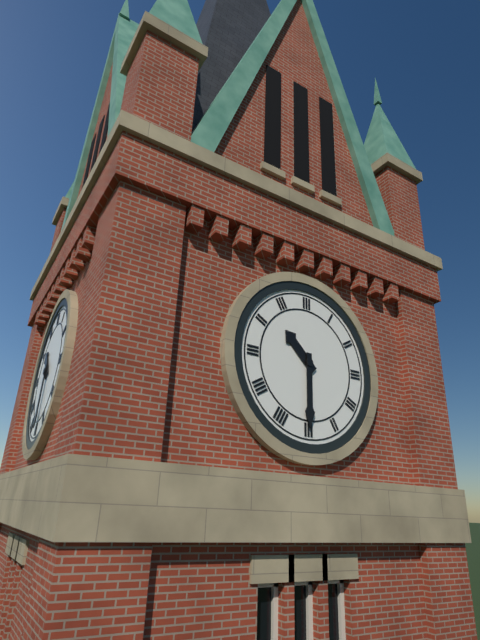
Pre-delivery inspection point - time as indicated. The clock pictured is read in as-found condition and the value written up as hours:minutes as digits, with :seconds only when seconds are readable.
10:30
